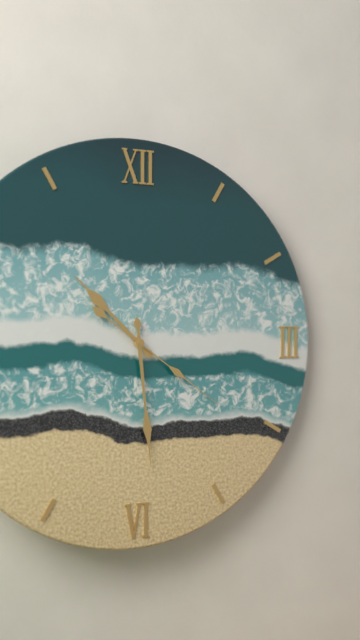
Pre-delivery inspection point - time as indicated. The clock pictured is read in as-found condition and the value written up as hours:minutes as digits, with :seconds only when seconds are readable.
10:29:21
